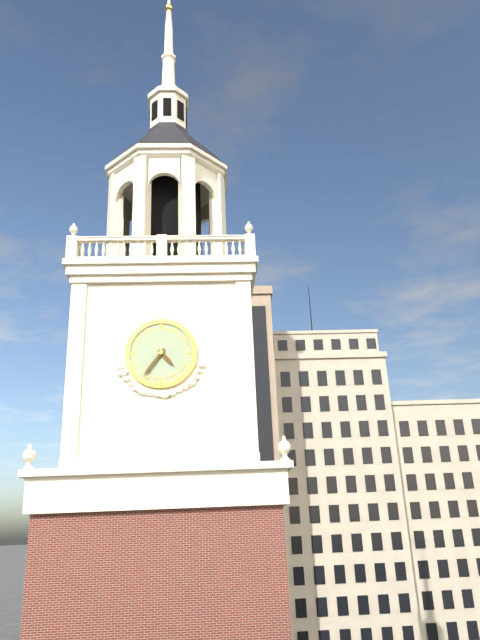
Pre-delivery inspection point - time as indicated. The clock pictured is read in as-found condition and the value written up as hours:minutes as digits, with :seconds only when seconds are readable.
4:36
